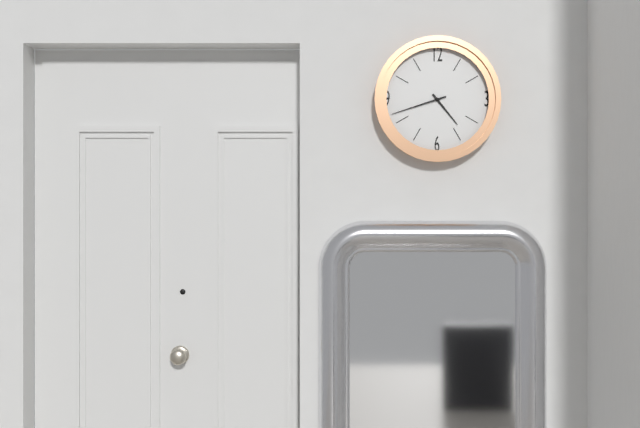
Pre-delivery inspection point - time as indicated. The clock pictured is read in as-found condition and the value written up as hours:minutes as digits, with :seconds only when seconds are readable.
4:42
